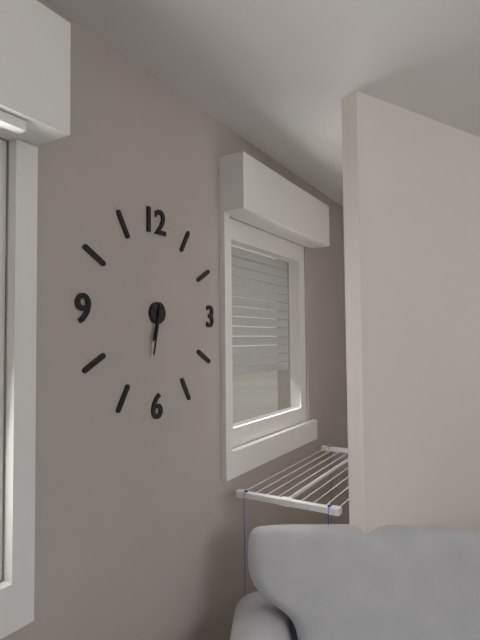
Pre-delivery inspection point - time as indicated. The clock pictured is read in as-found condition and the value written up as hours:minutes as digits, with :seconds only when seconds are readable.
6:32
